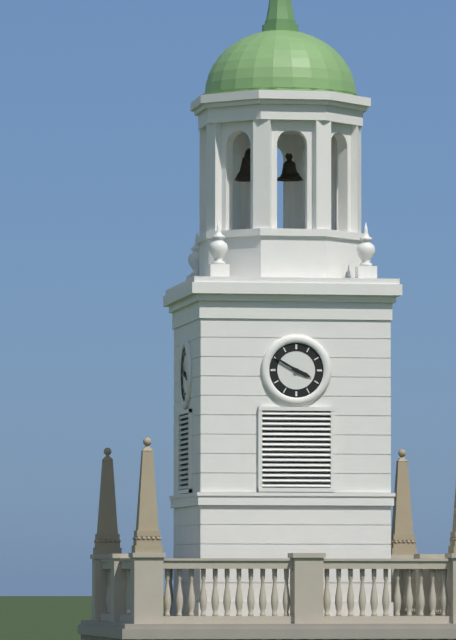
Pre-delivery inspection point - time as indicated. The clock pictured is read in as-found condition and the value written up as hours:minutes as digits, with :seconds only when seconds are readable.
3:50
